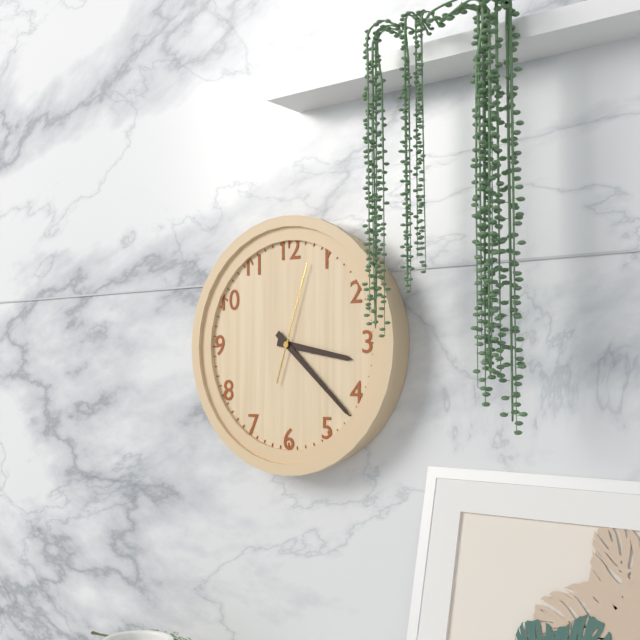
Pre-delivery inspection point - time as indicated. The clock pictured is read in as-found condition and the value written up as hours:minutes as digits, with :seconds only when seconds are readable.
3:22:03
